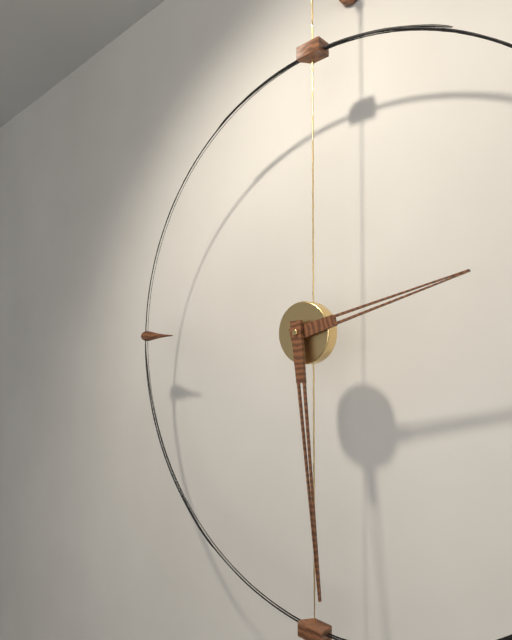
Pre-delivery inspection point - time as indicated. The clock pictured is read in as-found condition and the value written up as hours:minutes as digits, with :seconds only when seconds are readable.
2:29
